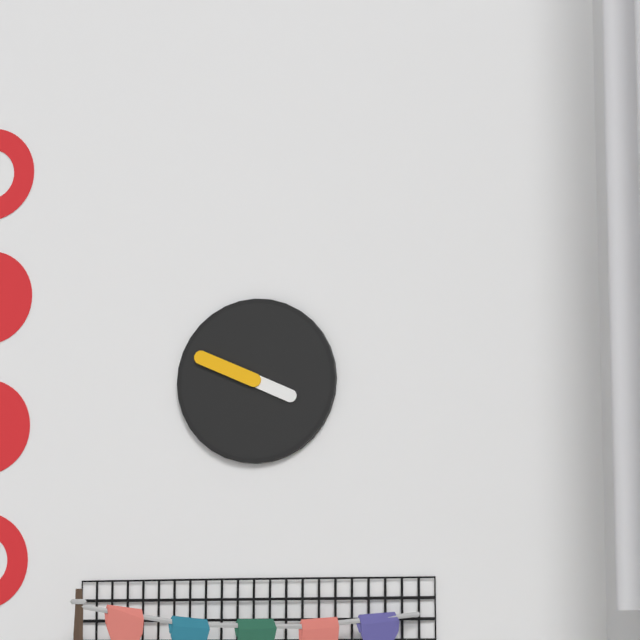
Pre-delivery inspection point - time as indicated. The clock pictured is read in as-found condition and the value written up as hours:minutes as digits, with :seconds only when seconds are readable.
3:49
